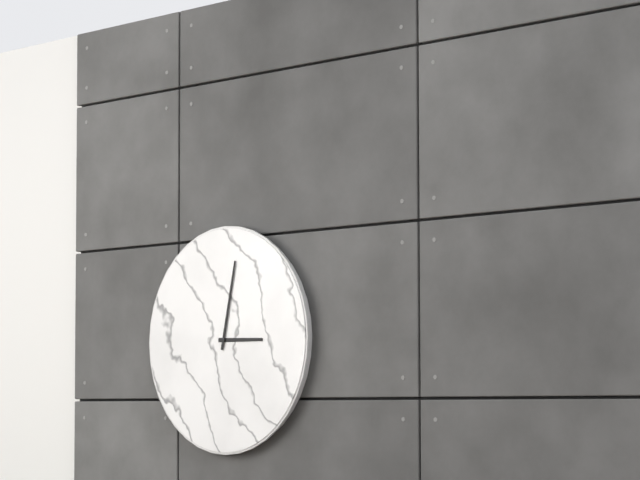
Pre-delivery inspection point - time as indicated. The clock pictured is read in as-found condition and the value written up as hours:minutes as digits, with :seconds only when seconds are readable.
3:02
